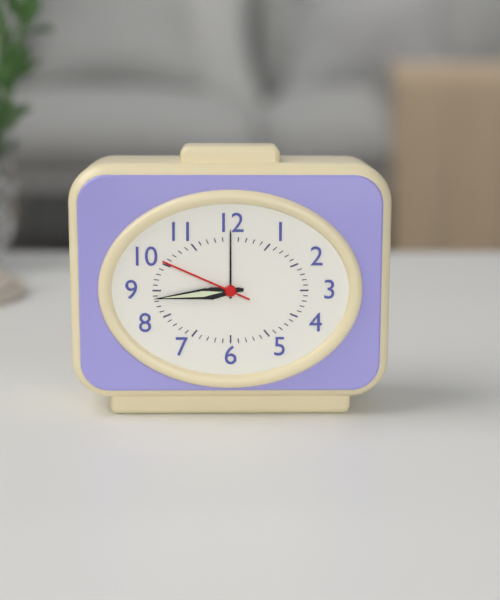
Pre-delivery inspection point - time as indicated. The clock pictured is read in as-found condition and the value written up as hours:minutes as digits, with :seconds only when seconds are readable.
8:44:49
